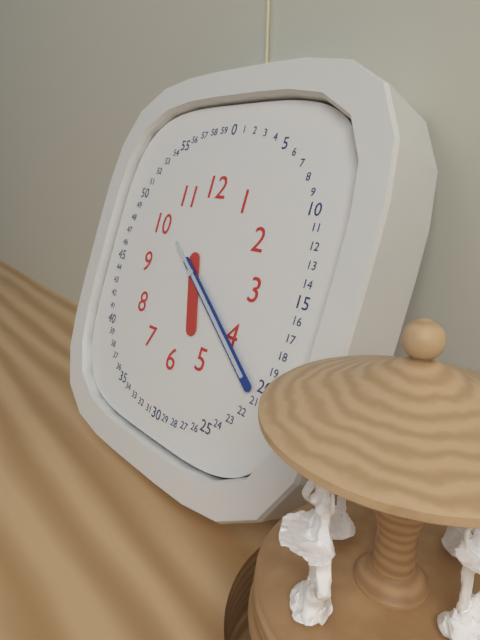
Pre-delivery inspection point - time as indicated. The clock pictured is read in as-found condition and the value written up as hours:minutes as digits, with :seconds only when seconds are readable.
5:21:21
